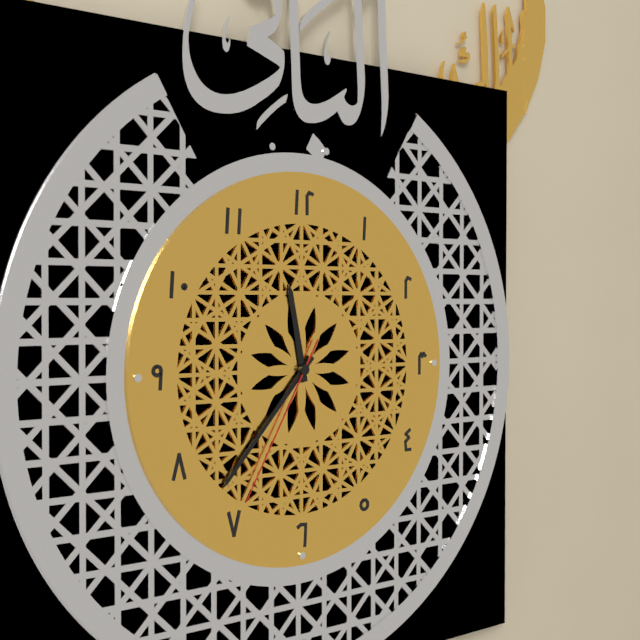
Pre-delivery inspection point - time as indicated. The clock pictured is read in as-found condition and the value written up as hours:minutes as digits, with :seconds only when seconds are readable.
11:37:35
